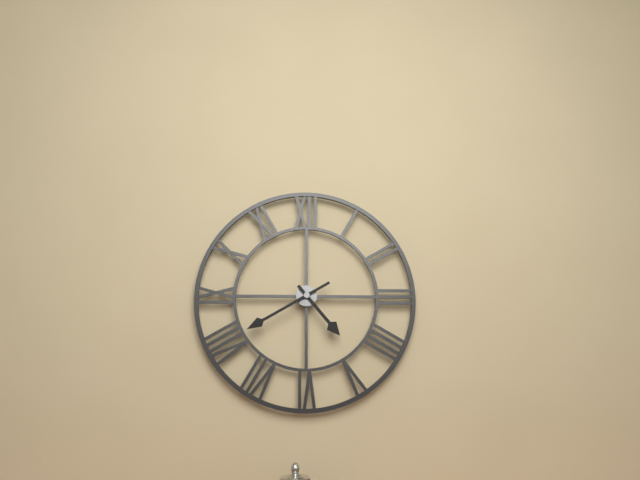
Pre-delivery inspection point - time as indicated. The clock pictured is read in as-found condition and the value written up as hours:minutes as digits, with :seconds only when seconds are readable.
4:40
